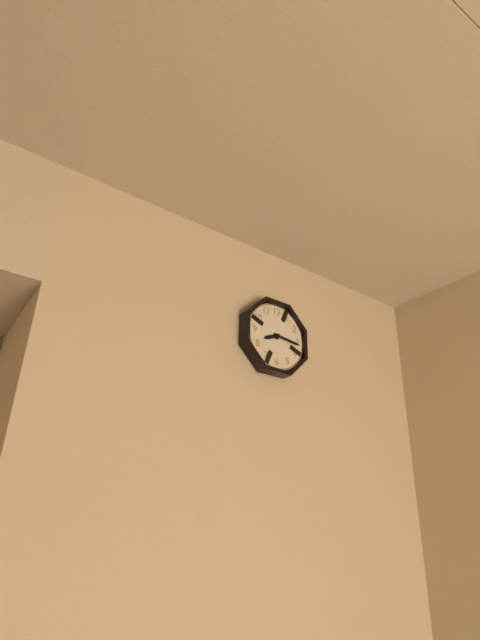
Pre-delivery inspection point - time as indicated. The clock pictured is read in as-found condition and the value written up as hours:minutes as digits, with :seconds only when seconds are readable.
8:16
